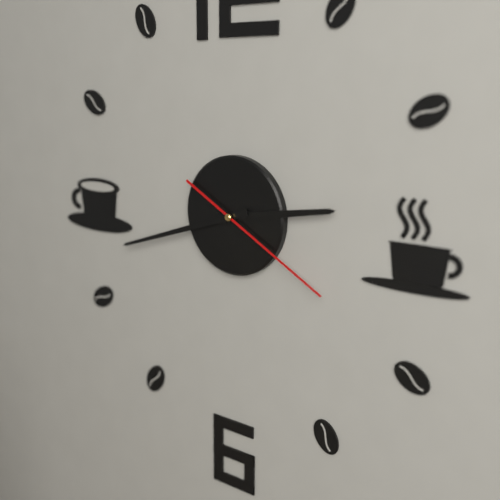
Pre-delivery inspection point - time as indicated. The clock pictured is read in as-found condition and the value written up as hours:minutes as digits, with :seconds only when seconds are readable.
2:42:20
